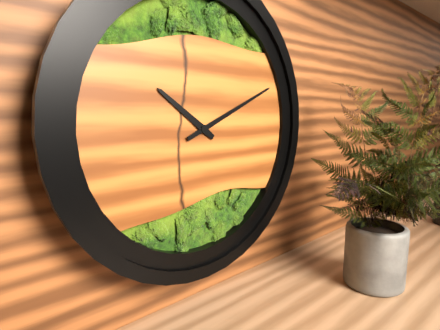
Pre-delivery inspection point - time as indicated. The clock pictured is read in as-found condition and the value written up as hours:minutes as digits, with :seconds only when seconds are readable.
10:11
